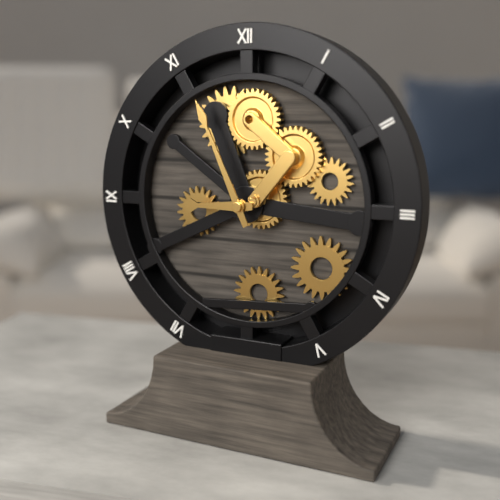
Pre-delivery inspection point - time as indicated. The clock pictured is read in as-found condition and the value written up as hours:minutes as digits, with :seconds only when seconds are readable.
8:56
